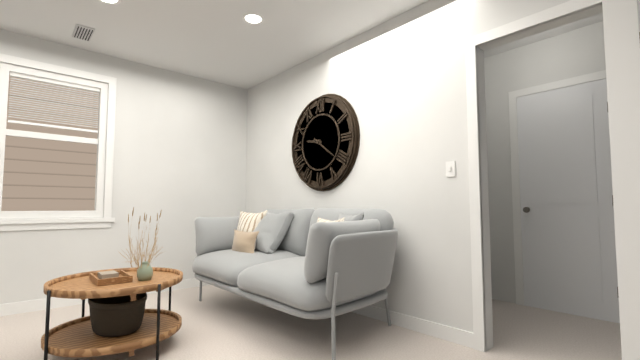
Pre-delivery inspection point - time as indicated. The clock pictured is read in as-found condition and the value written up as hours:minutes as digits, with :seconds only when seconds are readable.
9:21
